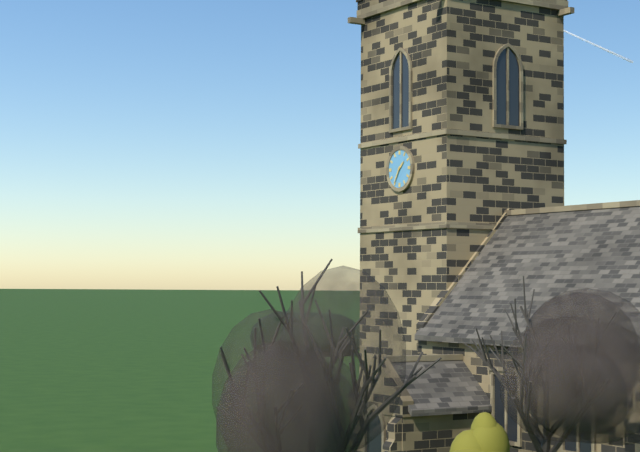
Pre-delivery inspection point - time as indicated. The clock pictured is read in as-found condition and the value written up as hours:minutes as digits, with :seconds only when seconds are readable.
1:35
